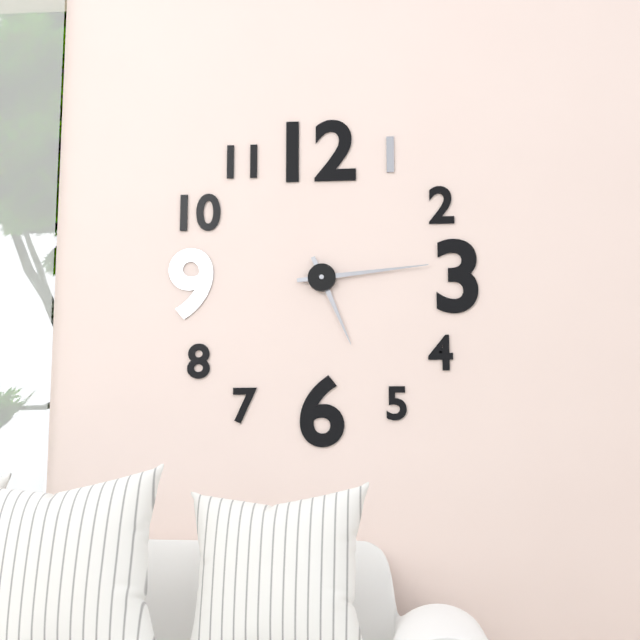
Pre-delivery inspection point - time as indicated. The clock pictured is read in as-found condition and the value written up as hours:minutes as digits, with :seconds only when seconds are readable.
5:14
